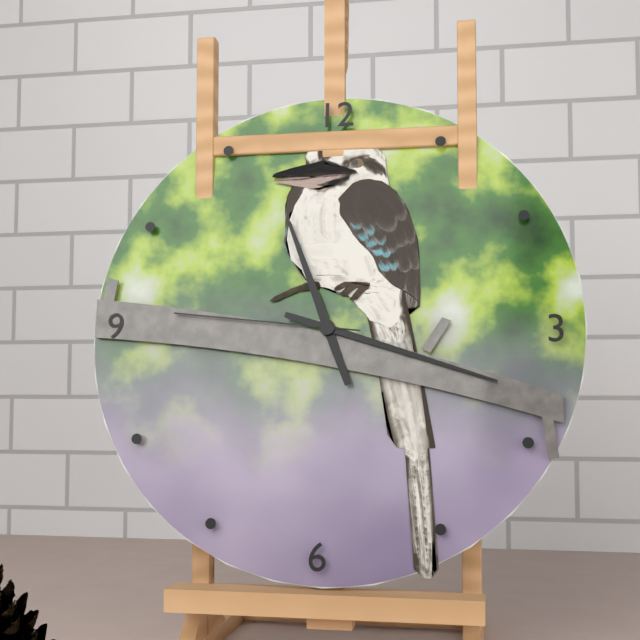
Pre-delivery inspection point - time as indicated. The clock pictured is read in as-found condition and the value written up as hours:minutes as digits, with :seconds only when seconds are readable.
11:18:46
